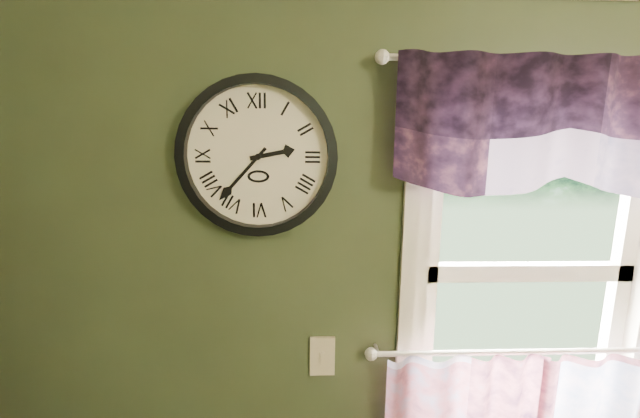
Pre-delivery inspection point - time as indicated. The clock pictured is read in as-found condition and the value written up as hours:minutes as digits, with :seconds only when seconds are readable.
2:37
